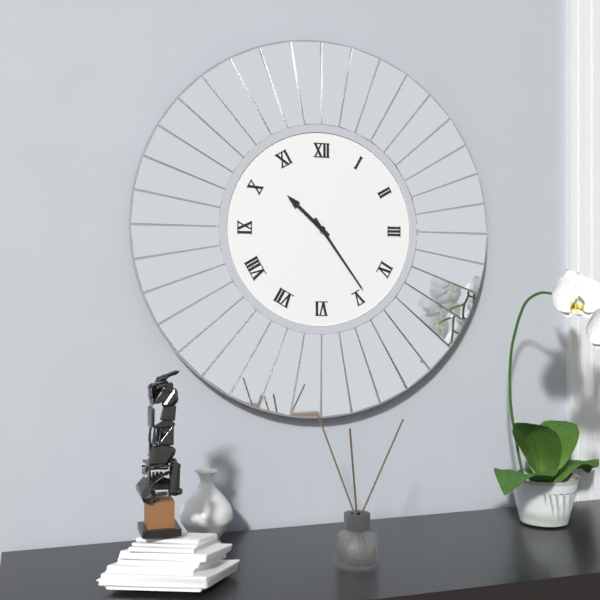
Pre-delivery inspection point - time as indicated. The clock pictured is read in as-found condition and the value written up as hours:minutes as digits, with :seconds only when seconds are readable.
10:24
